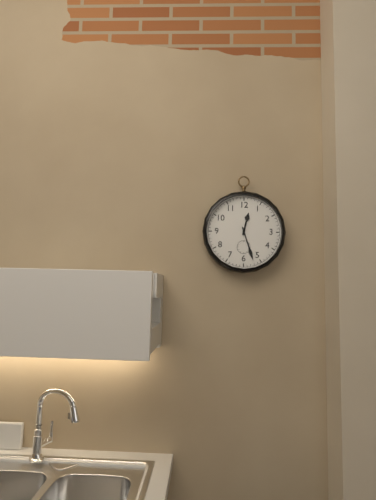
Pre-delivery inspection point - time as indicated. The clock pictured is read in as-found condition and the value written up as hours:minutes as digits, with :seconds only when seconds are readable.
12:27
